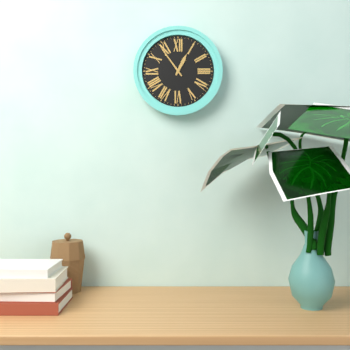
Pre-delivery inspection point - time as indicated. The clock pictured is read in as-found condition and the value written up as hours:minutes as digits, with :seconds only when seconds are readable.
12:54
